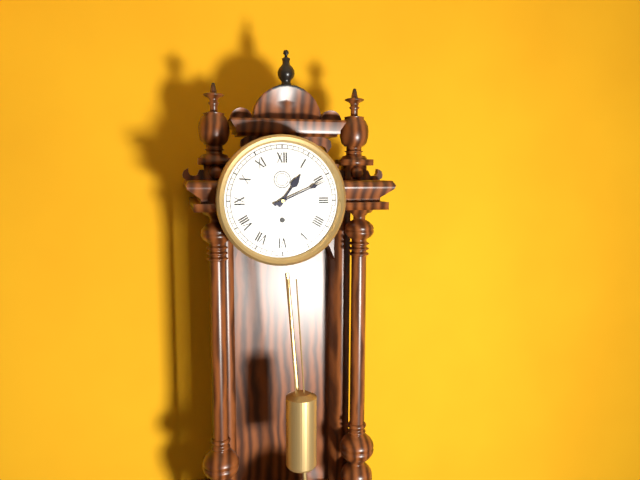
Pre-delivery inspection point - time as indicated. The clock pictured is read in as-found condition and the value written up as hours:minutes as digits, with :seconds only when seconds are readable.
1:11
